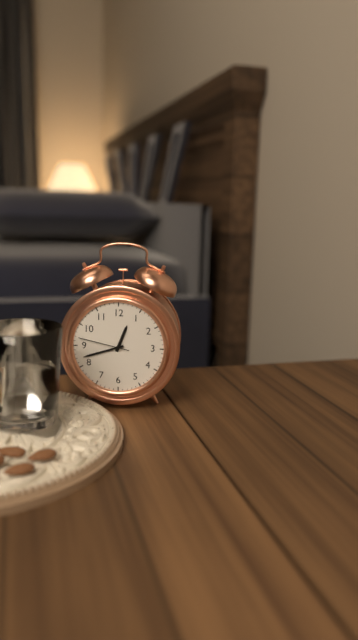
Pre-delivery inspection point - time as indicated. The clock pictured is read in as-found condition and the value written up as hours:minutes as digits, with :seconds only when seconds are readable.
12:42:47
